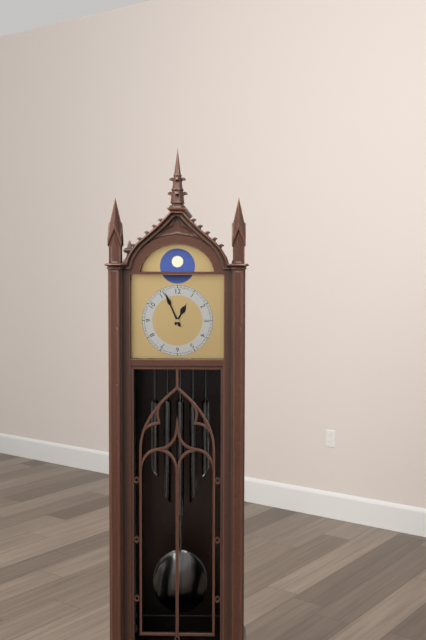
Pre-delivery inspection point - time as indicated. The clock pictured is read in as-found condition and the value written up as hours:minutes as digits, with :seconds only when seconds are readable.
12:56
